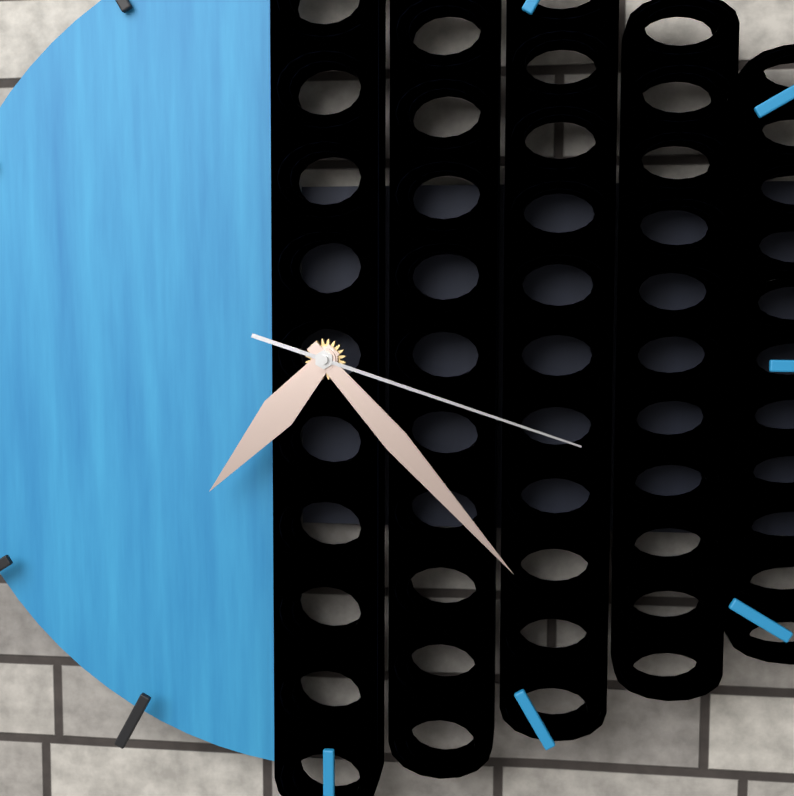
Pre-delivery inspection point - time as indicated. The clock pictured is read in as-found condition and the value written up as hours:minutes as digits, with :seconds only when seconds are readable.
7:23:18
